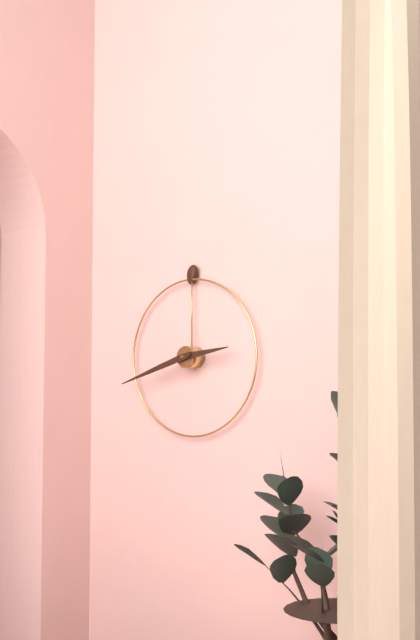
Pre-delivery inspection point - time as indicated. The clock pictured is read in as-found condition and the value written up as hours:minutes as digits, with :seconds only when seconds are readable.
2:42
